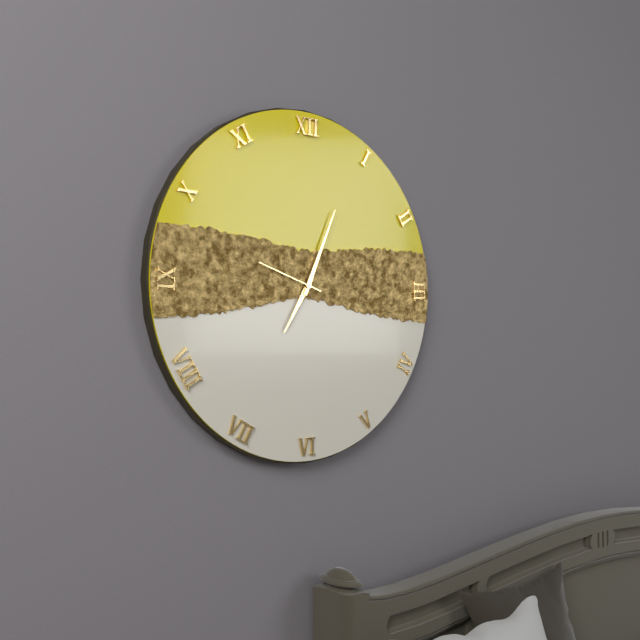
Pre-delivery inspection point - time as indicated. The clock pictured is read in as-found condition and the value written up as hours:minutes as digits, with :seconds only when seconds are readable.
7:04:48
